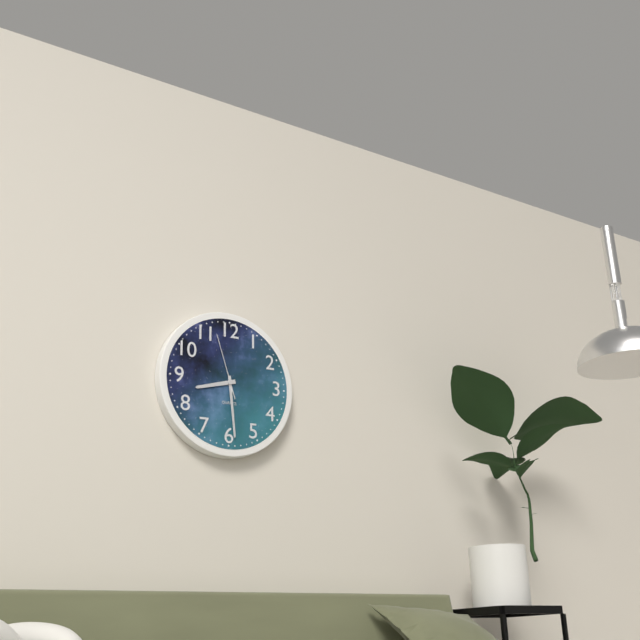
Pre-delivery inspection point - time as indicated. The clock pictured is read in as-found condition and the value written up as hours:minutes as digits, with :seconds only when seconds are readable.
8:29:57
